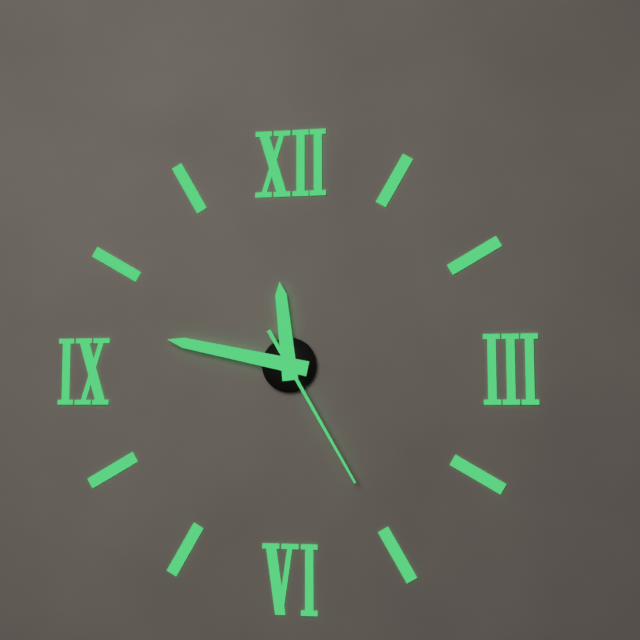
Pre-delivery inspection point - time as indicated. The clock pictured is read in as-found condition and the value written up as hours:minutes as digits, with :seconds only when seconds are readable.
11:47:25
